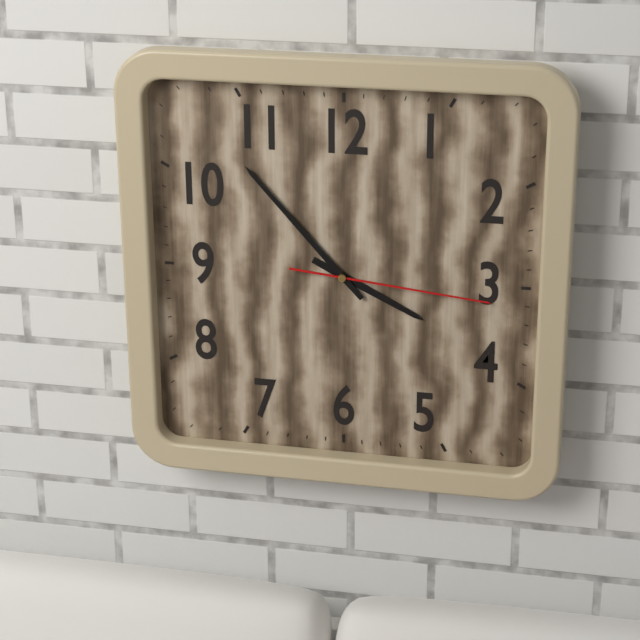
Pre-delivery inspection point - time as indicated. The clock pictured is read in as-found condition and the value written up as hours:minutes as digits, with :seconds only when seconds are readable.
3:53:16
